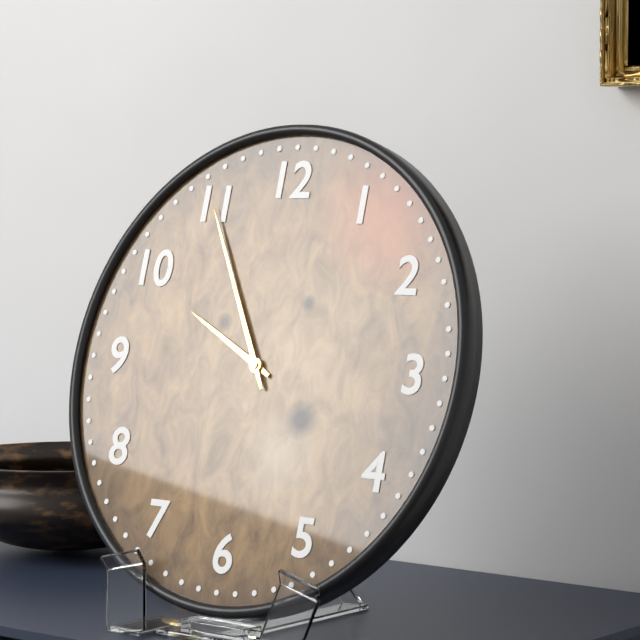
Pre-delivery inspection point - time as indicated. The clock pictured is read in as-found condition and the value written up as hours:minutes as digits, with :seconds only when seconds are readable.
9:55
